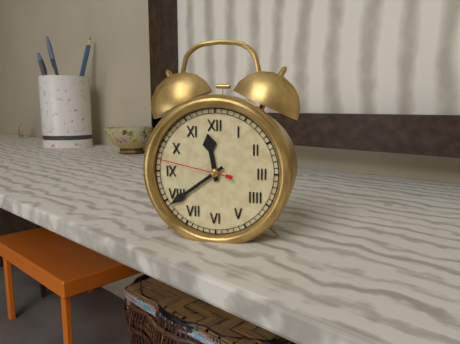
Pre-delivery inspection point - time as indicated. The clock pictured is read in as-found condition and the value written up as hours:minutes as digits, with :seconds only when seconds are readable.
11:39:47
